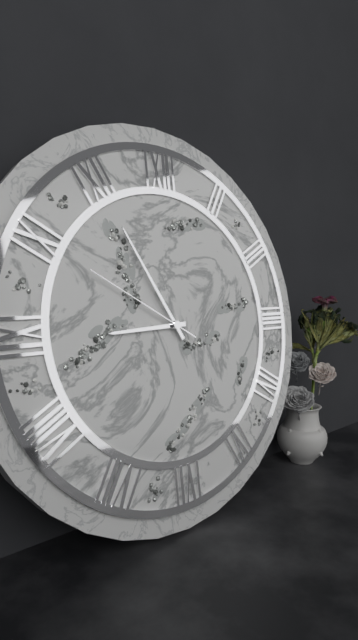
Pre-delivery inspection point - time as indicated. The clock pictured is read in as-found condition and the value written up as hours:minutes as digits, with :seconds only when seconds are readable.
8:55:50
